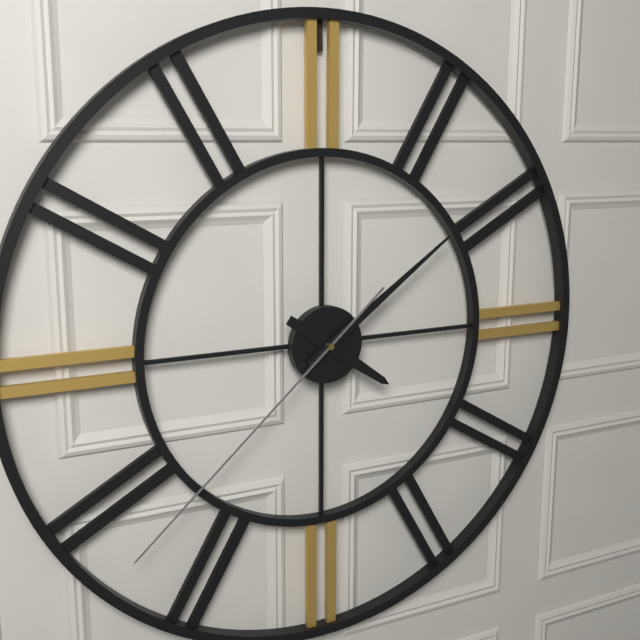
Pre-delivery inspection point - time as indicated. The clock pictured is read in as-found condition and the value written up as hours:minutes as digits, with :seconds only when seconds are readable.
4:09:38
